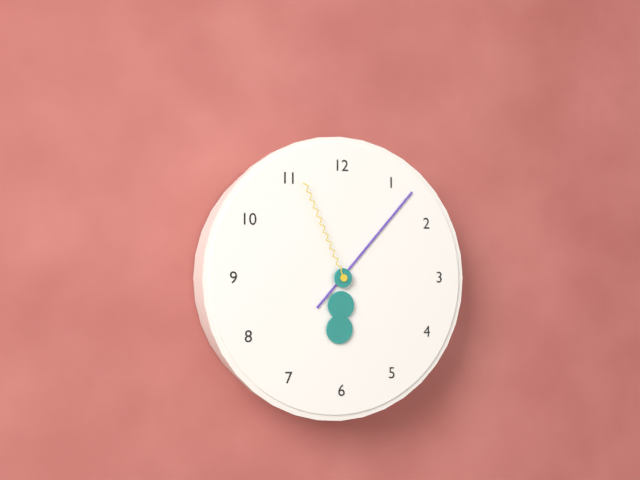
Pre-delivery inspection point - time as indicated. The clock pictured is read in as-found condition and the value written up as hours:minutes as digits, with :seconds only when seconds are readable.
6:07:56
